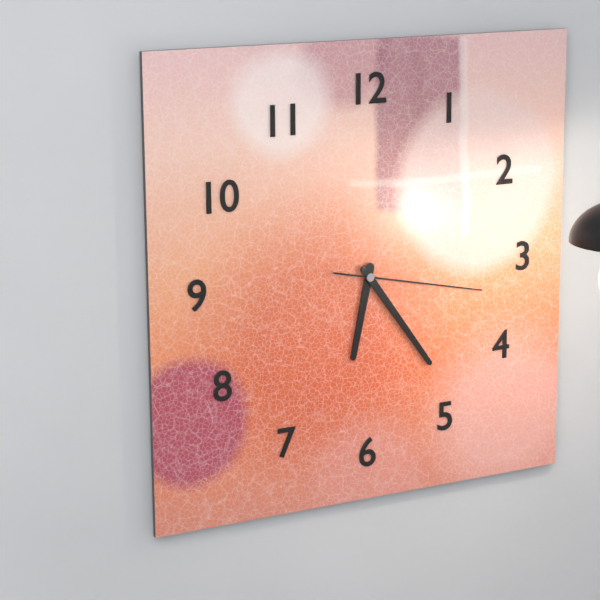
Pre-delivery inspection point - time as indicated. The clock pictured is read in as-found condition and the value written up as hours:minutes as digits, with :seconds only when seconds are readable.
6:24:17
